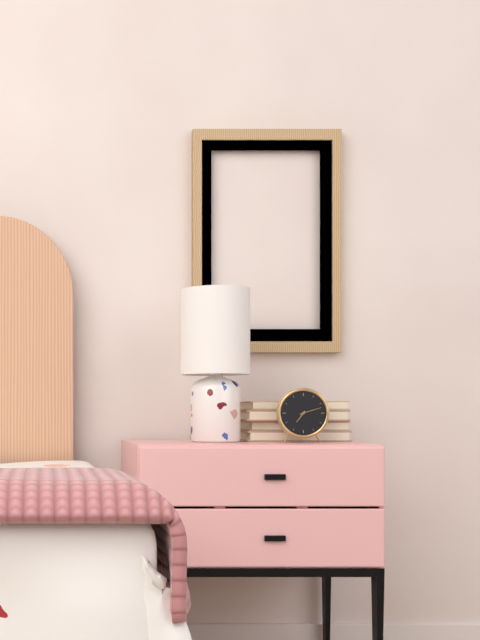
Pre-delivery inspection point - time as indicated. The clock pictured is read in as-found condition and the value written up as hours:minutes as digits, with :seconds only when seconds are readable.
7:12
